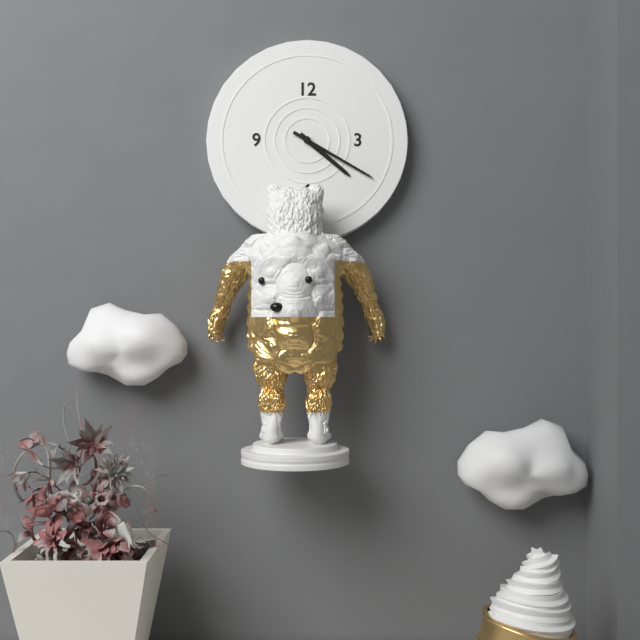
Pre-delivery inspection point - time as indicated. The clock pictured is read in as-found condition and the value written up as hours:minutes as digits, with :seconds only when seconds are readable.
4:20
